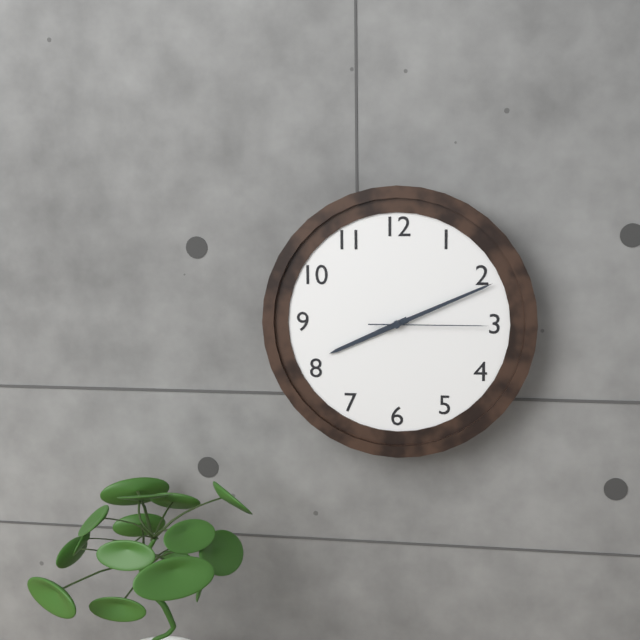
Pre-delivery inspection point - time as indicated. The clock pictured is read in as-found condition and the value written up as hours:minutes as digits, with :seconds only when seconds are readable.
8:11:15
